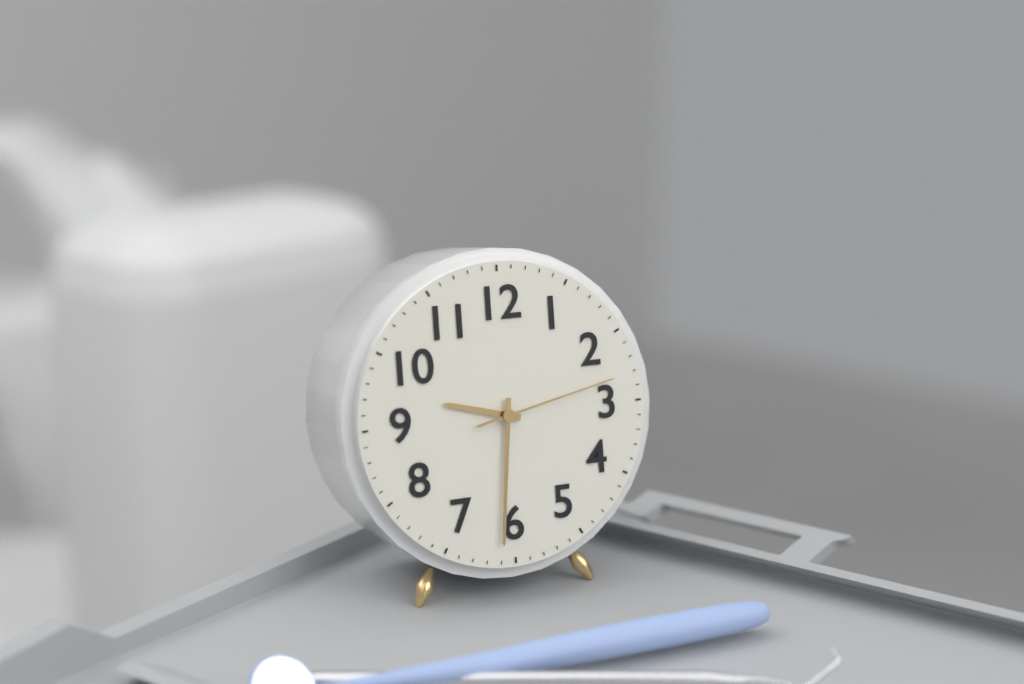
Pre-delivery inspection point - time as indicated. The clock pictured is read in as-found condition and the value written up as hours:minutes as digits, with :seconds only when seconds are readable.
9:31:13
